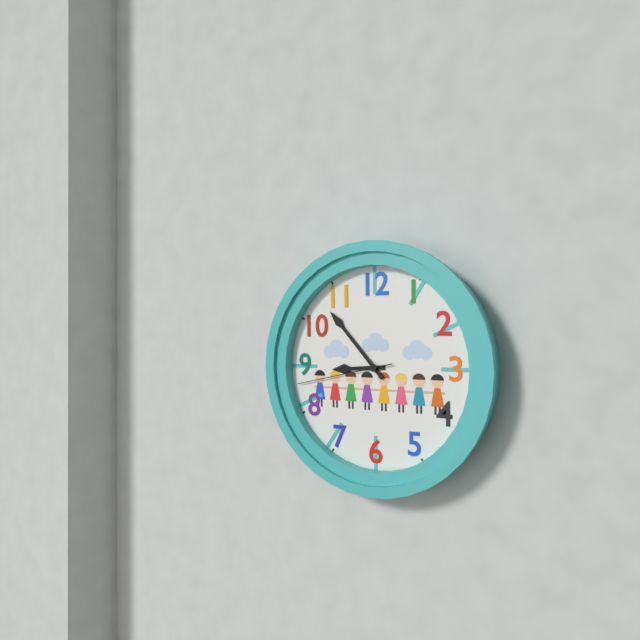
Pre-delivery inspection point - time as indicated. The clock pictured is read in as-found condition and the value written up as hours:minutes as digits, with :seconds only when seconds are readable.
8:53:43
